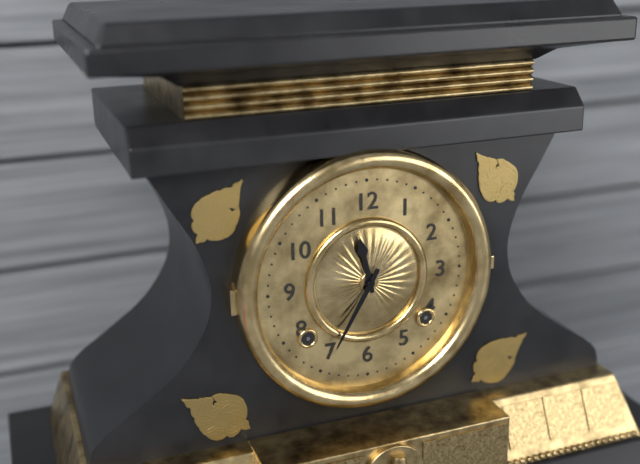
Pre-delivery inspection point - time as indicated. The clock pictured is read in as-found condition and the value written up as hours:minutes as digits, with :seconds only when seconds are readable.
11:35
